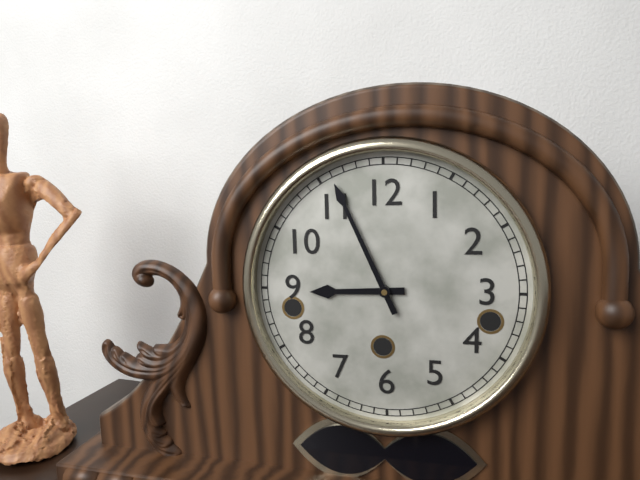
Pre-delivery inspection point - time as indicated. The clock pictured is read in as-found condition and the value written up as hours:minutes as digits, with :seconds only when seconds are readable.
8:56
